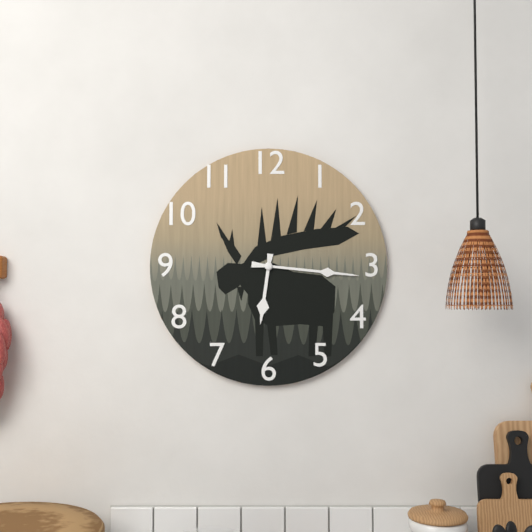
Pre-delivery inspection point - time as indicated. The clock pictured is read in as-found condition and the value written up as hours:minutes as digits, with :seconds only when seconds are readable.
6:16
